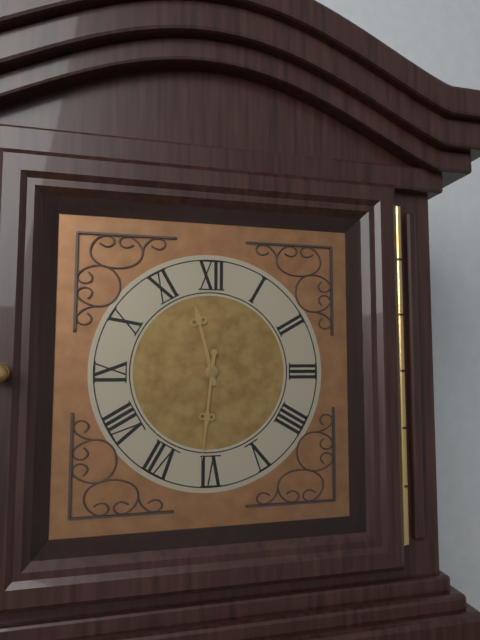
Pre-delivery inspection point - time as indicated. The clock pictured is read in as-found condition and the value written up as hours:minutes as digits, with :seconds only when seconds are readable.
11:31
